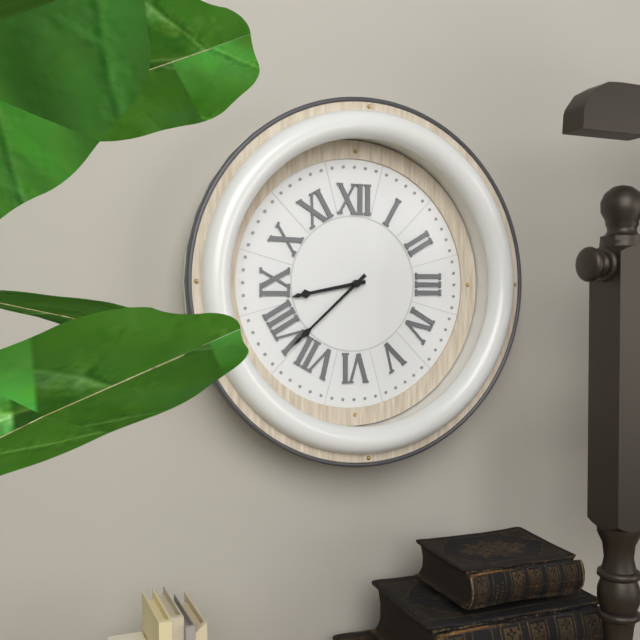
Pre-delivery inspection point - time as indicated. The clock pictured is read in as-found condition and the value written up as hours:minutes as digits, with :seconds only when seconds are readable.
8:38
